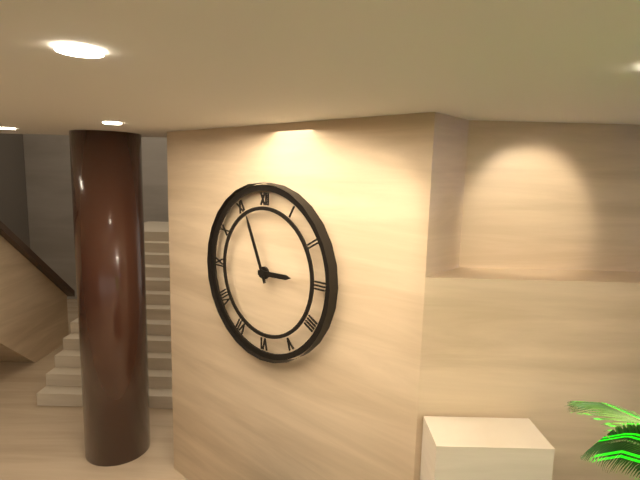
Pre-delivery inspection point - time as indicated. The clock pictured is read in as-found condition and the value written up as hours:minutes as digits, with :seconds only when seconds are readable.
2:56
